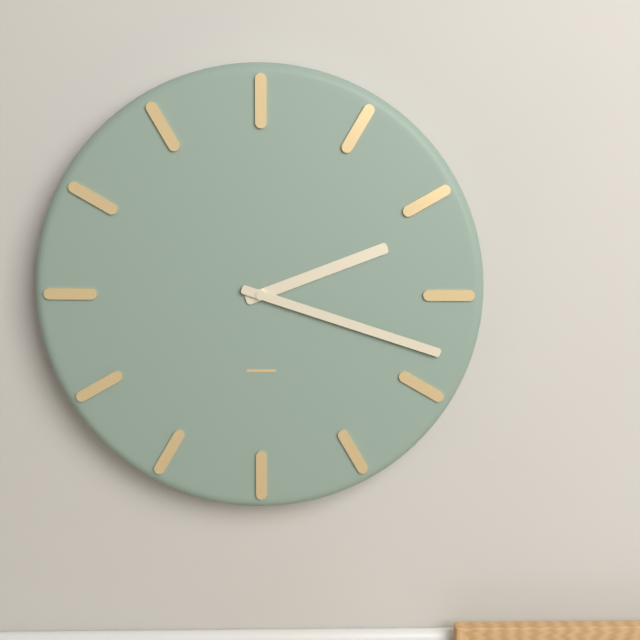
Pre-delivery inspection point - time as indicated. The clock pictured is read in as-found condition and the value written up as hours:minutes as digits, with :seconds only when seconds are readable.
2:18
